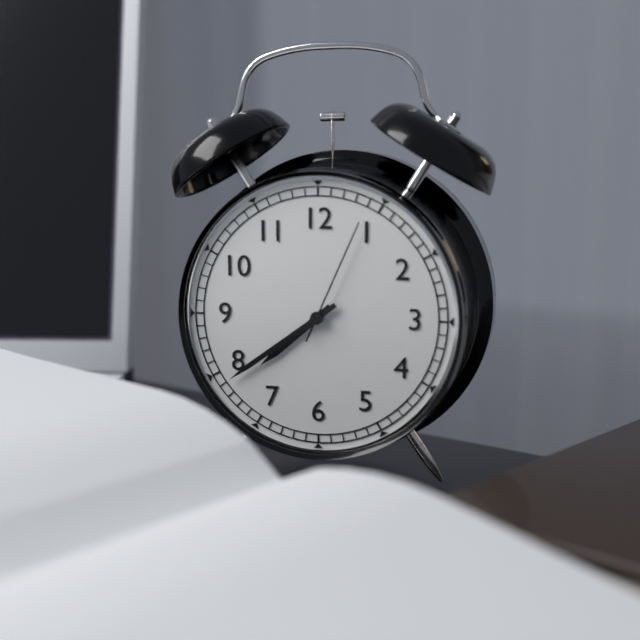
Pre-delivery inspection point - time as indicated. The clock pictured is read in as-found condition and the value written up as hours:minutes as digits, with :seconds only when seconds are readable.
7:39:04
